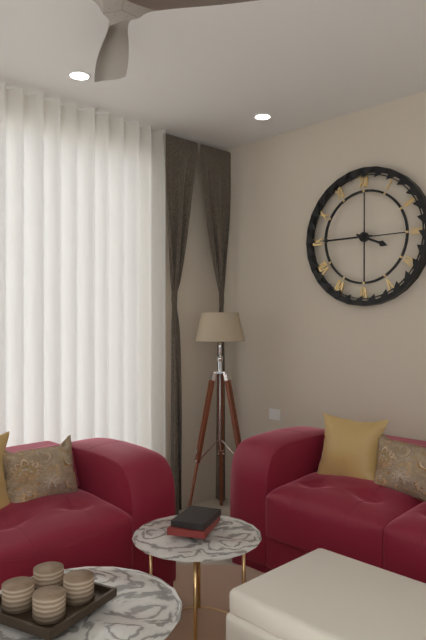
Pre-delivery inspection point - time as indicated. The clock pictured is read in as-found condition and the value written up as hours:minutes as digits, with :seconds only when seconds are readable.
3:45
